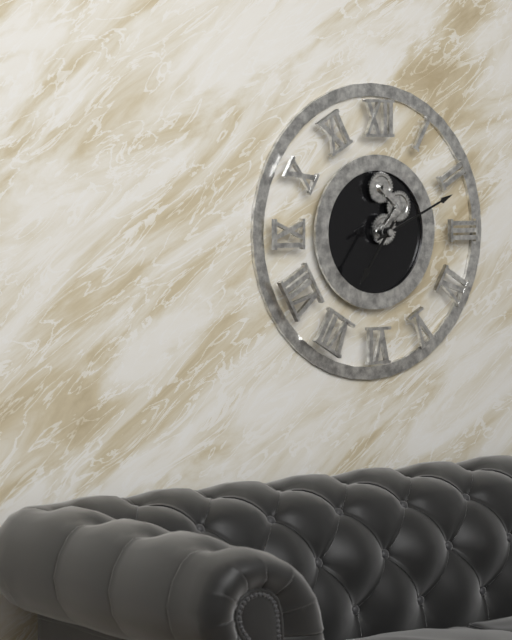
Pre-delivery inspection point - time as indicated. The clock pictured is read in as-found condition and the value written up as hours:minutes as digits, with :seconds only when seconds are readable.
7:11
